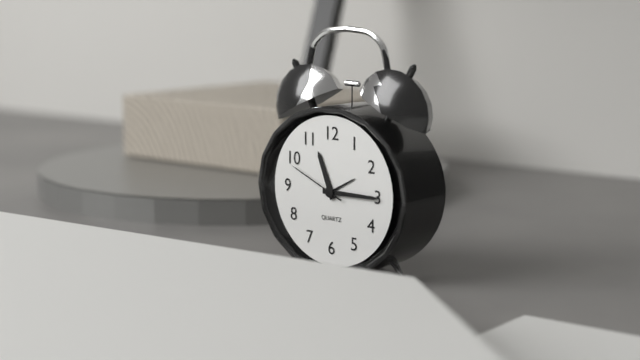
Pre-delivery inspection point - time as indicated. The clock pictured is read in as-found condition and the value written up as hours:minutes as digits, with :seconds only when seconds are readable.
11:15:49
